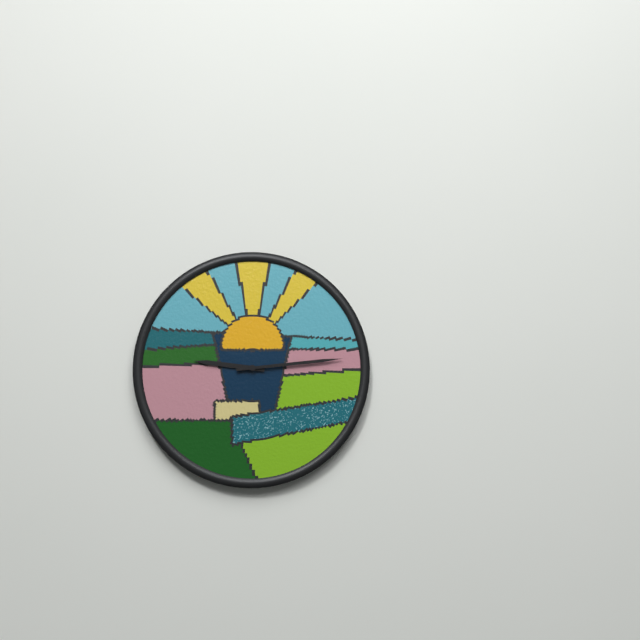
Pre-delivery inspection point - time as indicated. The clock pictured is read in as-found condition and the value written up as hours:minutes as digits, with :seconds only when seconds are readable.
9:14
